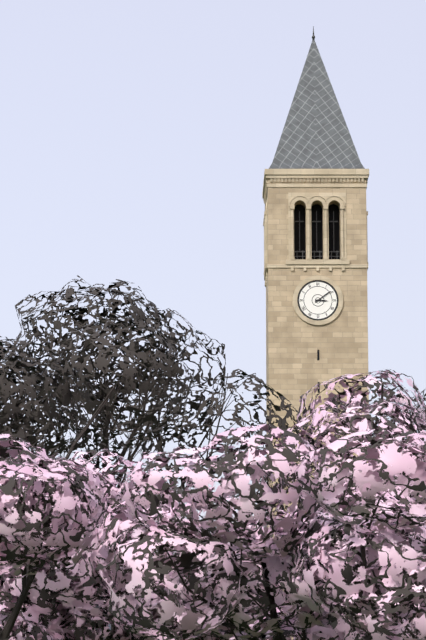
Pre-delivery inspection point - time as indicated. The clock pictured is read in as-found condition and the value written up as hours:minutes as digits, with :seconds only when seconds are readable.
3:09
